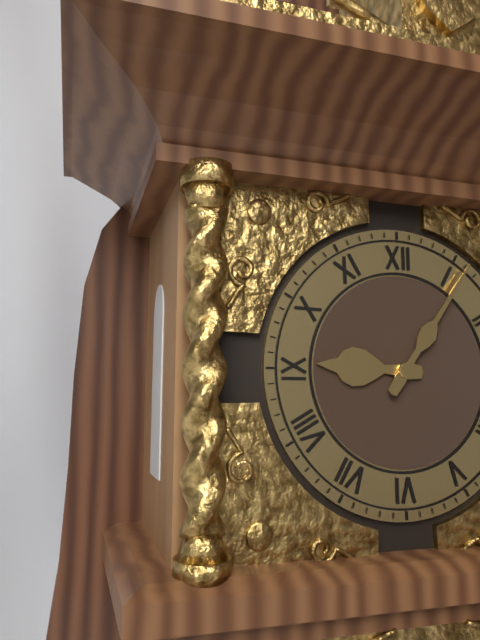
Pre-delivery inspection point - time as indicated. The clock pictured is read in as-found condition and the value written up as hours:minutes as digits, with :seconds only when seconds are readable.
9:06
